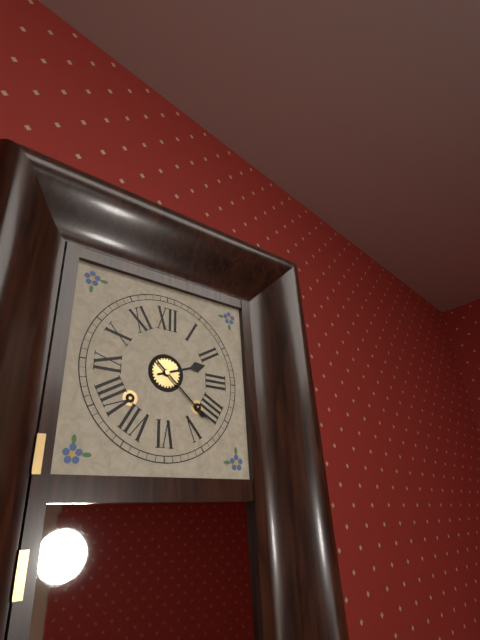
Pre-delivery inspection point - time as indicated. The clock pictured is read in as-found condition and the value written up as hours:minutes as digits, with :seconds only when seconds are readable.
2:22
